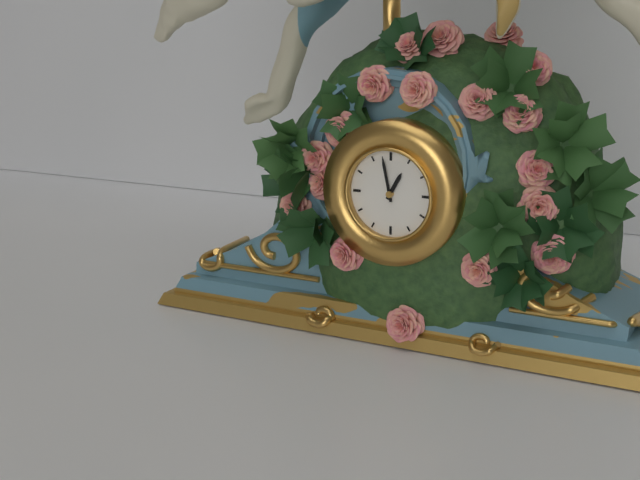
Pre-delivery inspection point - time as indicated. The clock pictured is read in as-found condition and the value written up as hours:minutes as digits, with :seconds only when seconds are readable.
12:58
